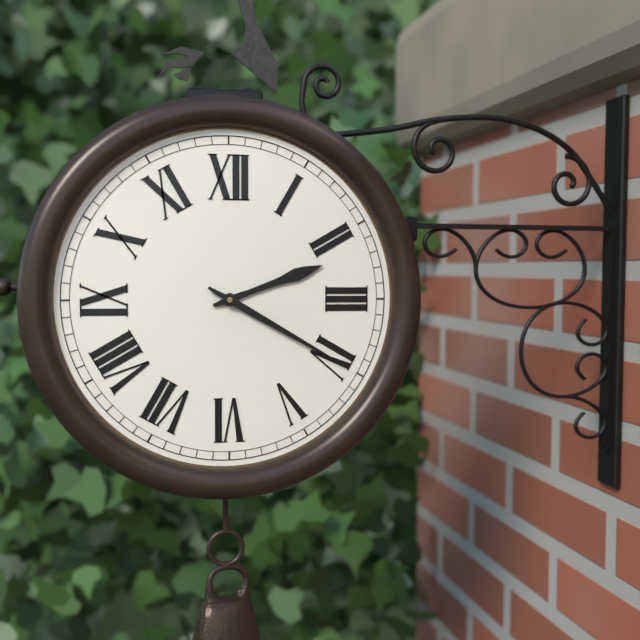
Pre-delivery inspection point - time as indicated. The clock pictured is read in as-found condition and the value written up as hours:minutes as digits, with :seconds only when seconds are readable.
2:20
